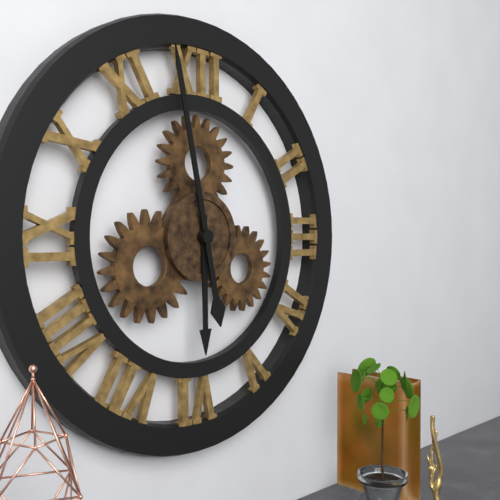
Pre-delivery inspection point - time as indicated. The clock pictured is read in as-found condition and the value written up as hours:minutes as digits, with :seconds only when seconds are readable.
5:58
